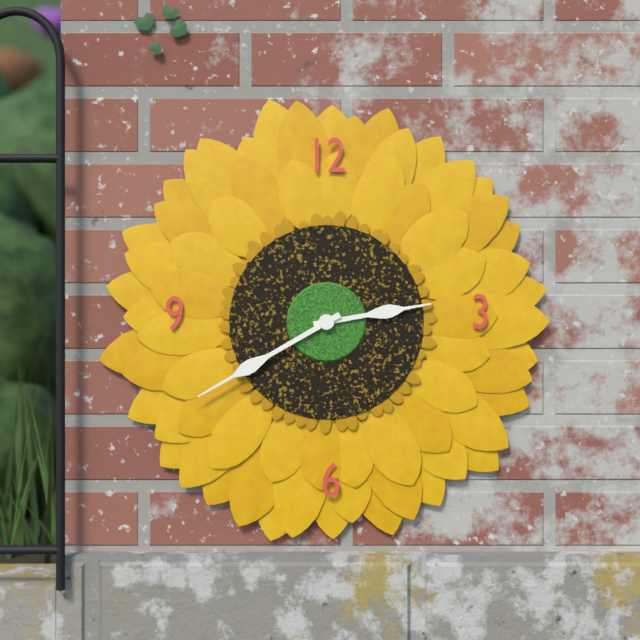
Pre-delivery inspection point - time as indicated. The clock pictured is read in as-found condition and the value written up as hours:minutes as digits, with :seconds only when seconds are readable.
2:40
